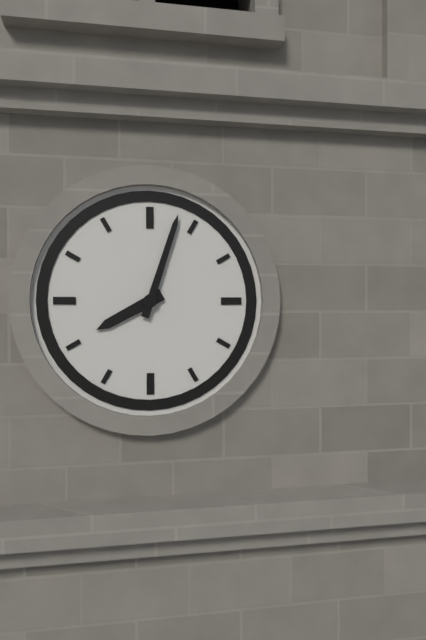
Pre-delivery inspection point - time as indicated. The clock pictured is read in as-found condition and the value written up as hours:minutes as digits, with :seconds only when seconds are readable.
8:03
